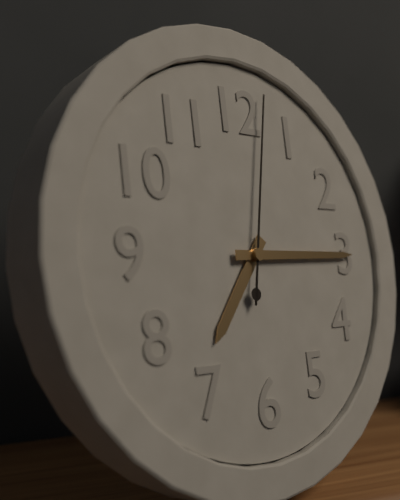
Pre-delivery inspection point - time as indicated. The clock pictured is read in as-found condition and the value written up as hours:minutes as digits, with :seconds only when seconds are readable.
7:15:02
